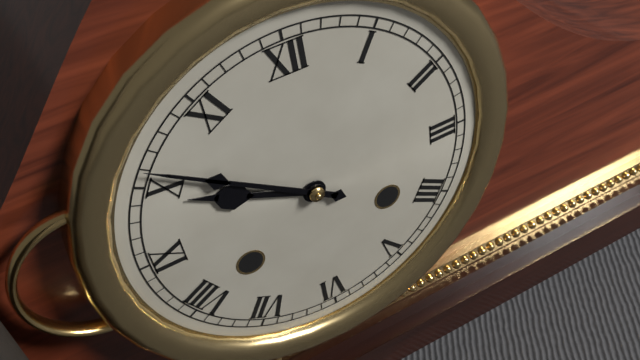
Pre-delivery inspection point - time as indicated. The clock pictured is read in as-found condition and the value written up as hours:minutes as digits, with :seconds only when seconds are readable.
9:51
